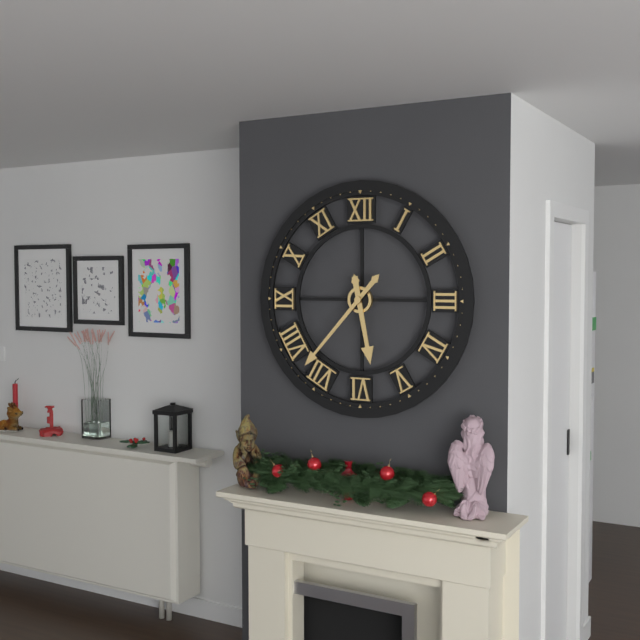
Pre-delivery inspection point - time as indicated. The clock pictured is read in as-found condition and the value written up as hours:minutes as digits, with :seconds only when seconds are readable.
5:37
